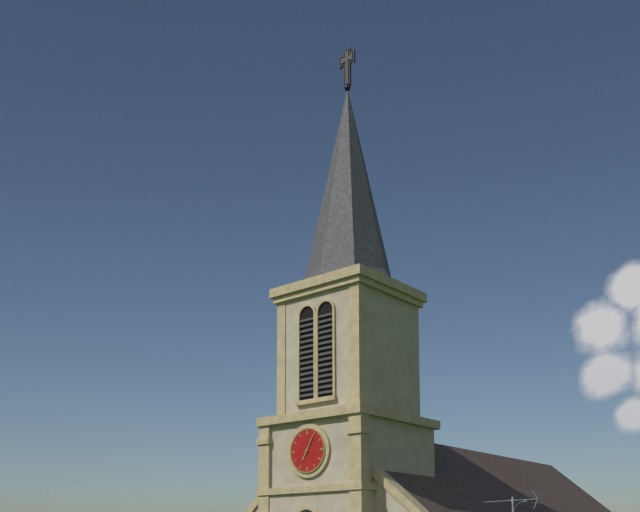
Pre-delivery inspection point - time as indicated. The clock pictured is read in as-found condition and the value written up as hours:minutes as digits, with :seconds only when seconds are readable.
7:05
